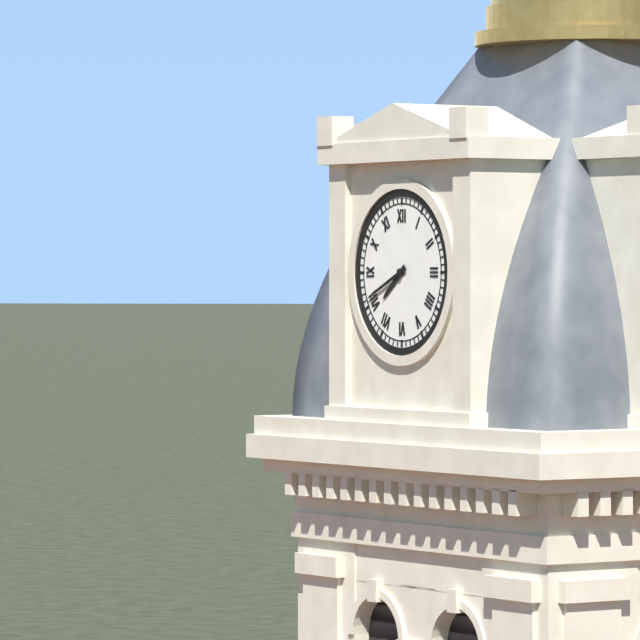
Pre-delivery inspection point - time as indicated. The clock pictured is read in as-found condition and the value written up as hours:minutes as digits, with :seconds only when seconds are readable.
7:41
